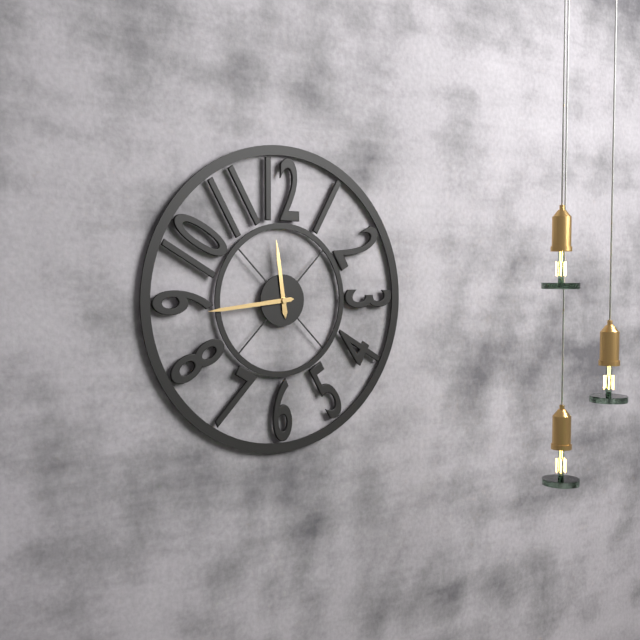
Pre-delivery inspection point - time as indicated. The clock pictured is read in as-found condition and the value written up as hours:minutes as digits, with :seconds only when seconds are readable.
11:44
